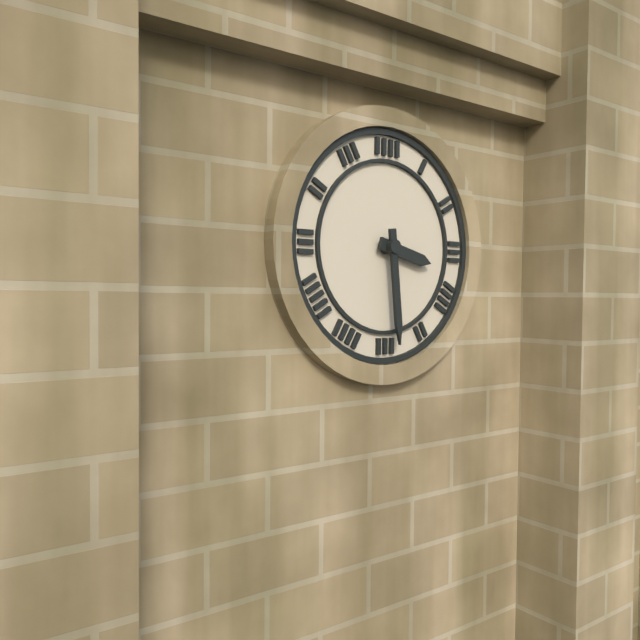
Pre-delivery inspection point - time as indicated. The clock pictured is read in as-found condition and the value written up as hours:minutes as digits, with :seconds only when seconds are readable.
3:29
